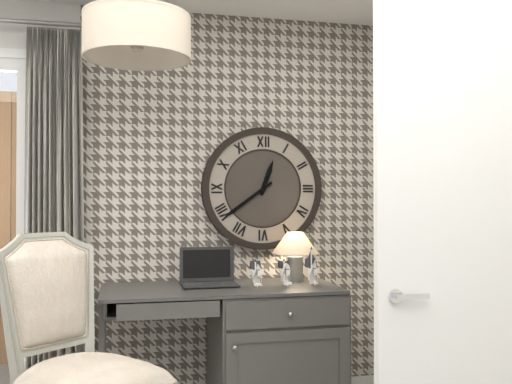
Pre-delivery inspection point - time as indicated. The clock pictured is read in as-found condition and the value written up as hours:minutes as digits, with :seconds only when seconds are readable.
12:39
